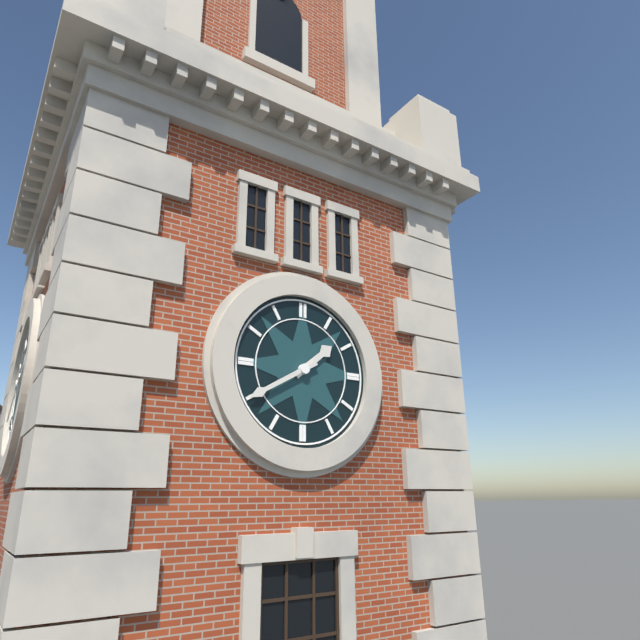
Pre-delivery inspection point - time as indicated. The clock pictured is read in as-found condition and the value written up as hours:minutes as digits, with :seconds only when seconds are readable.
1:40
